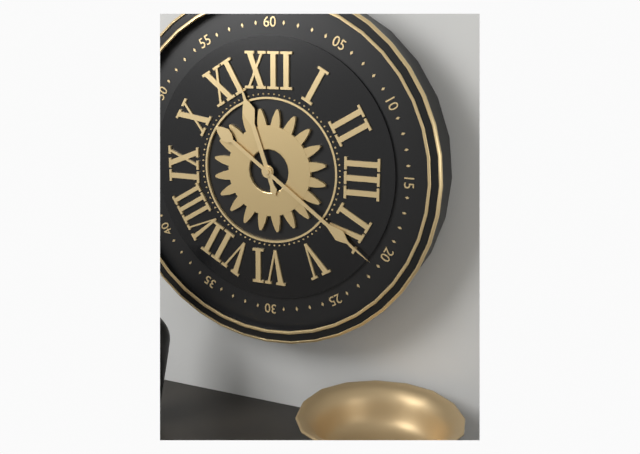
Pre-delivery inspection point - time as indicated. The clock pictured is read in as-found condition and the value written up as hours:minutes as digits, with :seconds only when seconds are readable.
11:21
